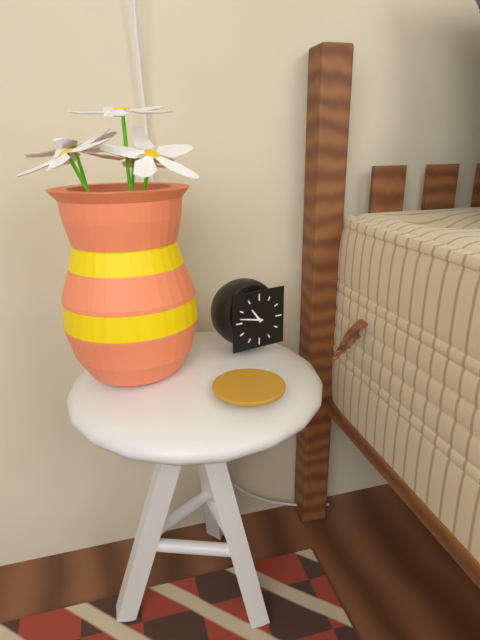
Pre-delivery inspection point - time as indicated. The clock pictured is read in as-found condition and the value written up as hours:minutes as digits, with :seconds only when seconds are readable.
10:47
